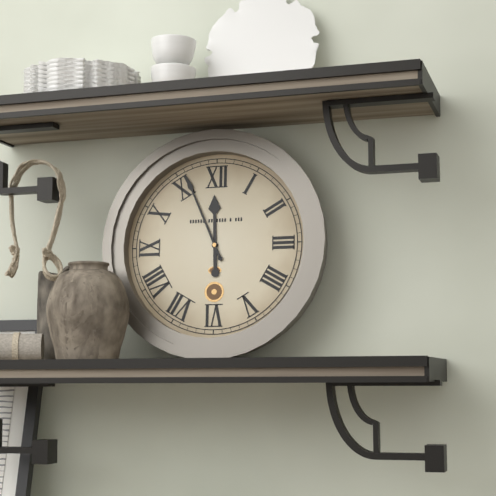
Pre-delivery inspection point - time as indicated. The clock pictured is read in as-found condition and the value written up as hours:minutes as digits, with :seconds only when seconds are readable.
11:56
